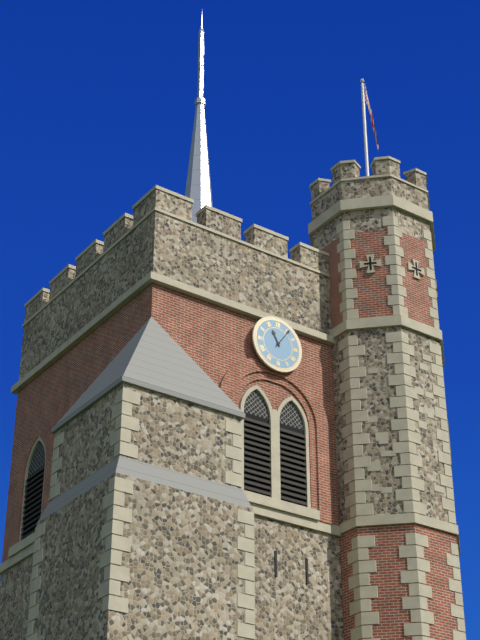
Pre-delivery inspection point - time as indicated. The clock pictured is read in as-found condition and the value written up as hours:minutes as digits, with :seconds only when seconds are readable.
11:06
